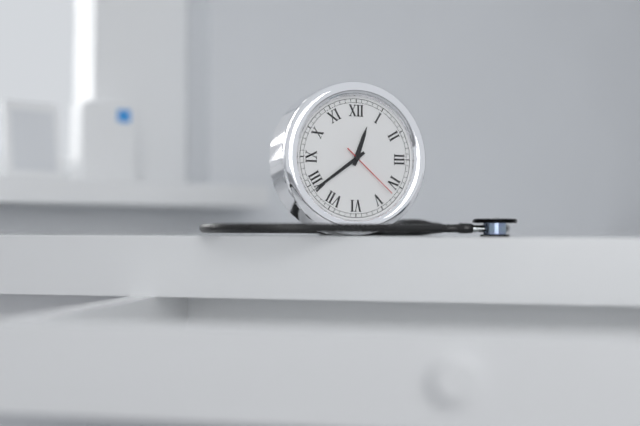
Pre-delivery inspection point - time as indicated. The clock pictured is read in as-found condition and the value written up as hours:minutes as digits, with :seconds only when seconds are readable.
12:39:22
